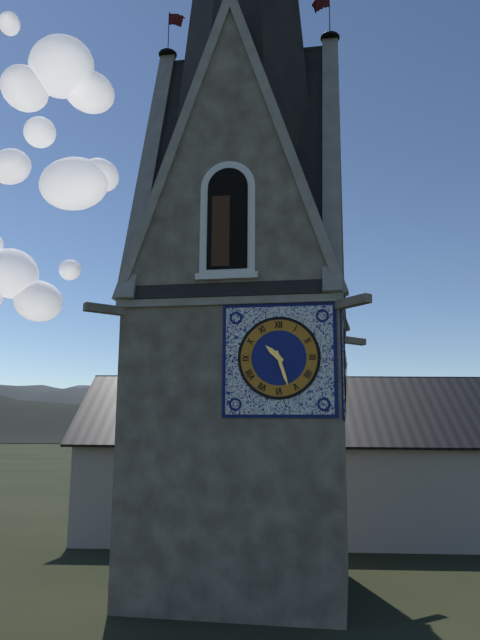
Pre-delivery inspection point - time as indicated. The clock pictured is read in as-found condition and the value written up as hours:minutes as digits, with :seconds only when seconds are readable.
10:27
